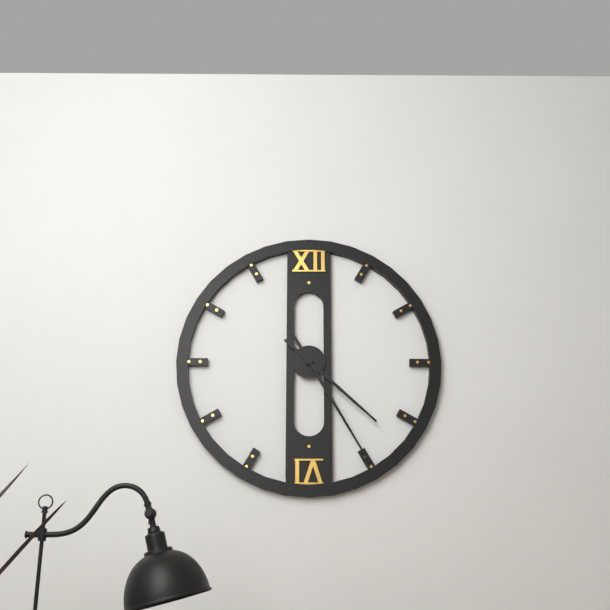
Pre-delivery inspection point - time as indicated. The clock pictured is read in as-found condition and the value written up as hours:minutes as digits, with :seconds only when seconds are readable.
4:25
